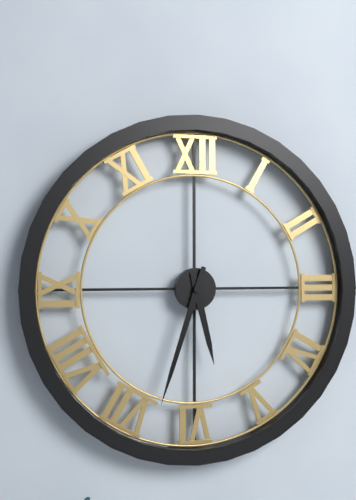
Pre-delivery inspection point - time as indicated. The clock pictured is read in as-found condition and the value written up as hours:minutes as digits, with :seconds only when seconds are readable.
5:33
